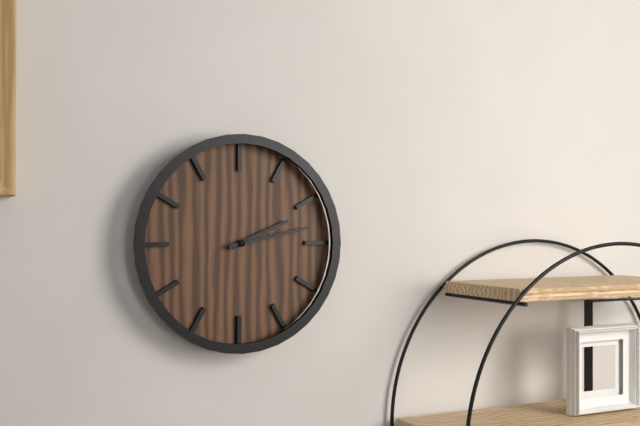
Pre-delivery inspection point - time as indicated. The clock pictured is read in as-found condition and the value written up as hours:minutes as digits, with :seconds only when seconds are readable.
2:13
